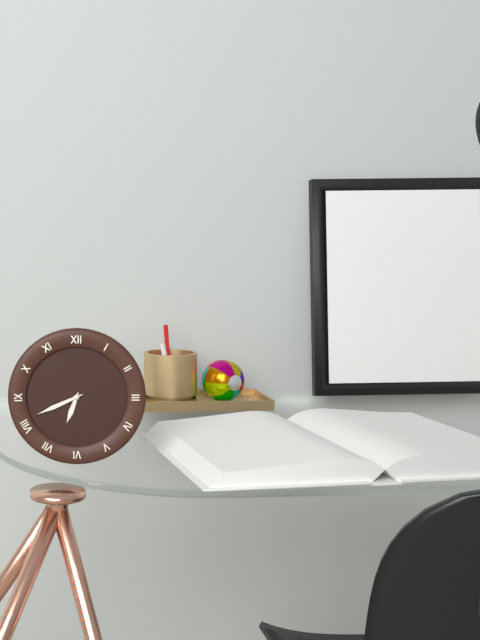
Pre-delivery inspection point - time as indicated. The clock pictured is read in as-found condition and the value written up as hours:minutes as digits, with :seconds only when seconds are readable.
6:41
